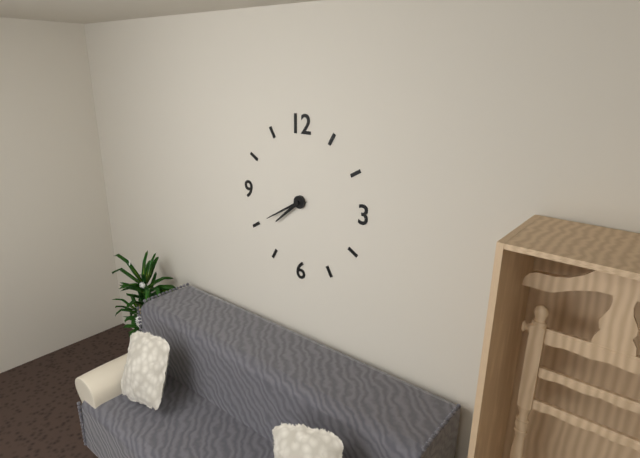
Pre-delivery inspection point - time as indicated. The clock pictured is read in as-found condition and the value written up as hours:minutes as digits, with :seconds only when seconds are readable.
7:40
